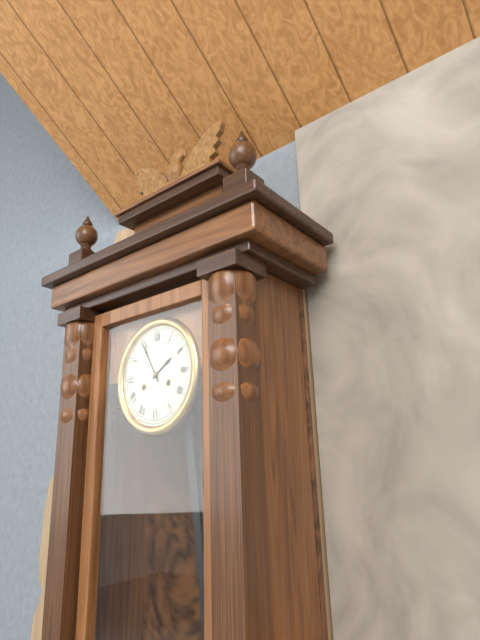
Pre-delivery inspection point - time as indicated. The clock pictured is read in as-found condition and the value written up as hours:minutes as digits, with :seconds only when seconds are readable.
1:55
